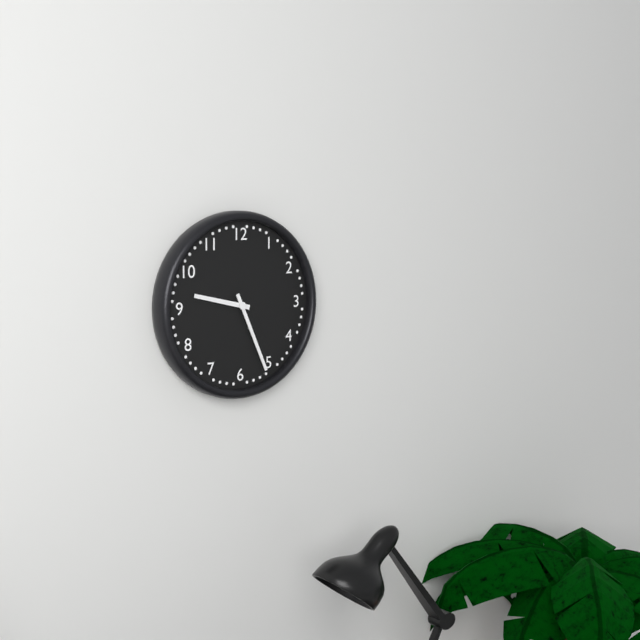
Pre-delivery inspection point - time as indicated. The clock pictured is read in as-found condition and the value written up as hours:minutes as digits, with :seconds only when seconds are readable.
9:26
